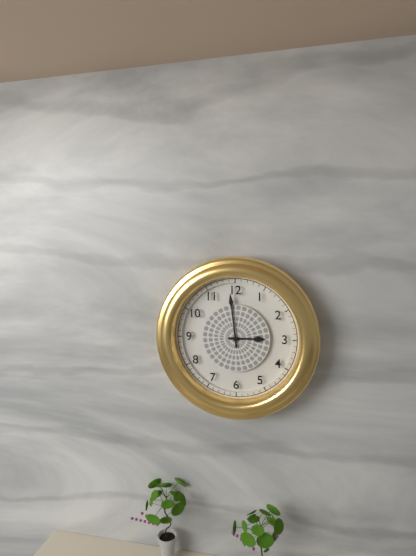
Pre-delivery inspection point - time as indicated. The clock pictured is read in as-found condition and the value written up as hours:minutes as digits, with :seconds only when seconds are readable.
2:59
